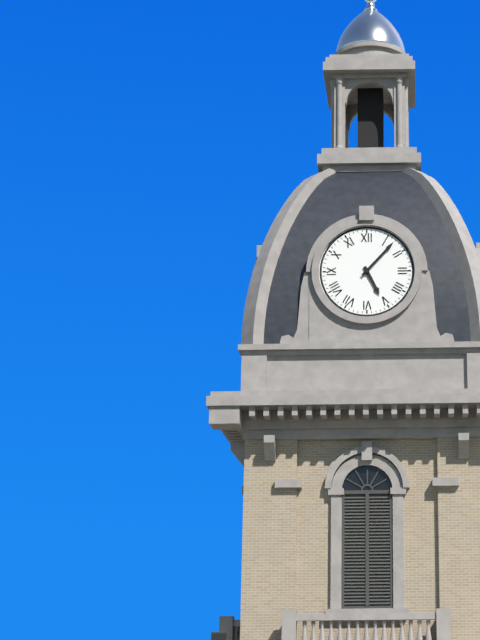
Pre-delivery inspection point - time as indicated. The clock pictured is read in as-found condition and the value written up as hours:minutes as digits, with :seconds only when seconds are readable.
5:07
